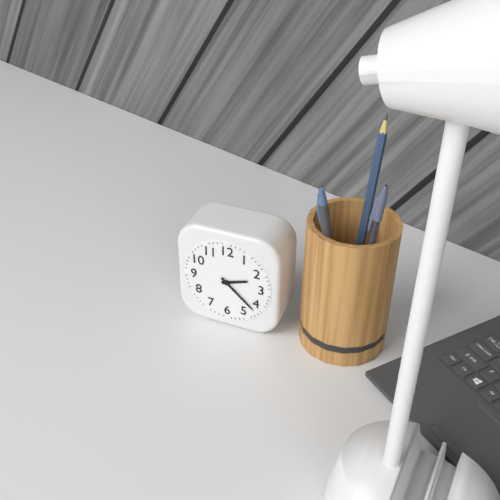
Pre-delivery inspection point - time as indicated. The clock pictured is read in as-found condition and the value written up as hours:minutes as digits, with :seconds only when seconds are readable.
2:22
